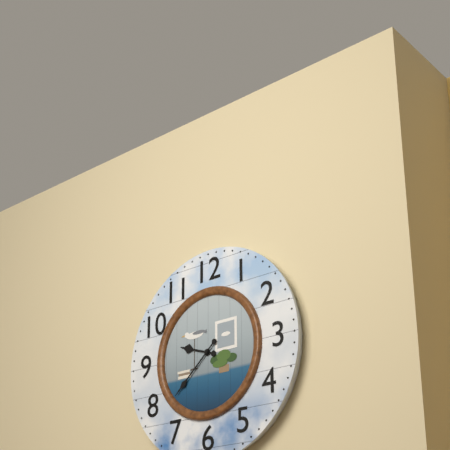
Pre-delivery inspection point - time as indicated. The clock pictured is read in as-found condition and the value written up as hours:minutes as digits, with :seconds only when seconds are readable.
9:38
